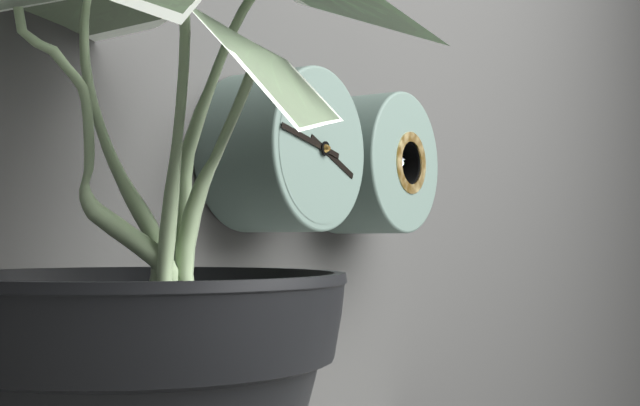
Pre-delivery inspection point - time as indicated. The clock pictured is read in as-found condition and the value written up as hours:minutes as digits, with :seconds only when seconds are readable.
3:47
